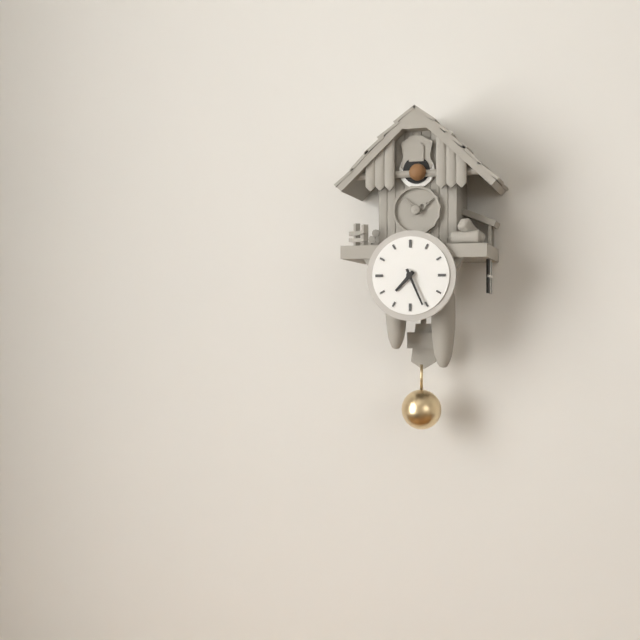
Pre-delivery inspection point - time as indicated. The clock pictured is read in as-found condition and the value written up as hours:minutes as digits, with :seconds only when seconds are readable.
7:26
